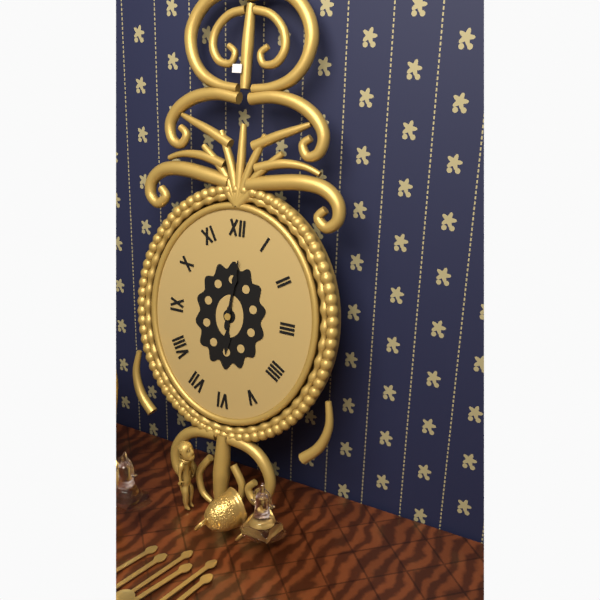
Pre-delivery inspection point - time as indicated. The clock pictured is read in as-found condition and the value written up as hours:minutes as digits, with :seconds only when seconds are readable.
6:01
